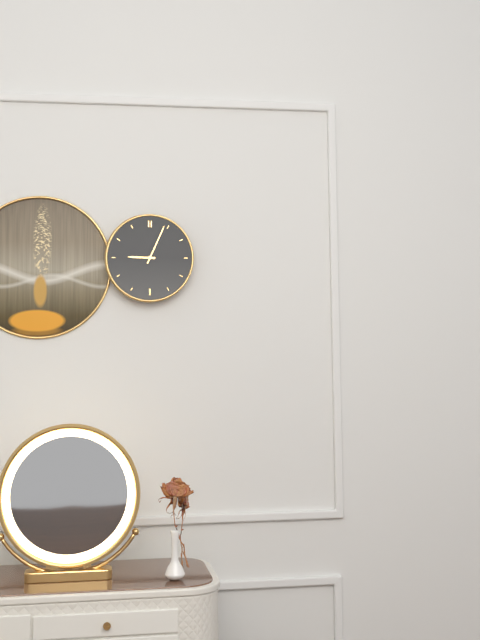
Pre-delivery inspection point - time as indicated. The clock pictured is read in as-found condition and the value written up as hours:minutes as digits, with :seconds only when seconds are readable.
9:04
